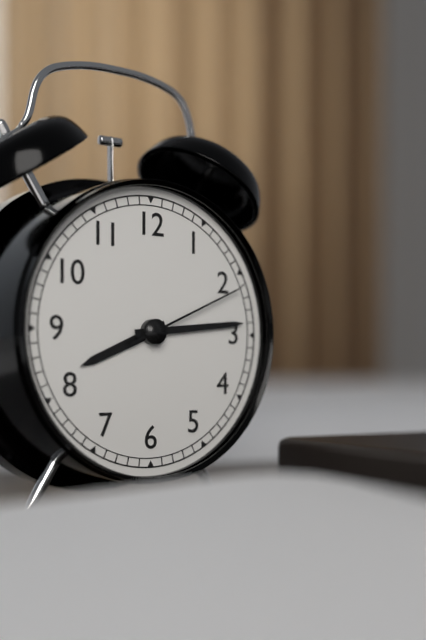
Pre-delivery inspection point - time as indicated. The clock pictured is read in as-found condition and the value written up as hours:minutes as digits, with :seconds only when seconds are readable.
8:14:11
